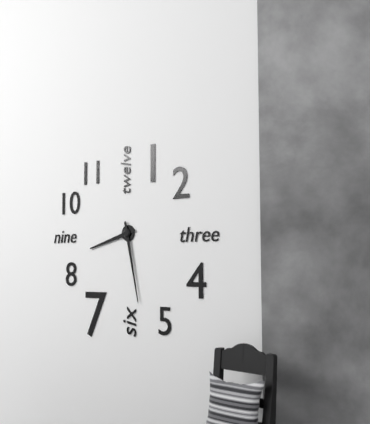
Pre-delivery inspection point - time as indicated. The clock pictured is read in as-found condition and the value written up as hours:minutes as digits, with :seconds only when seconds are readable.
8:28
